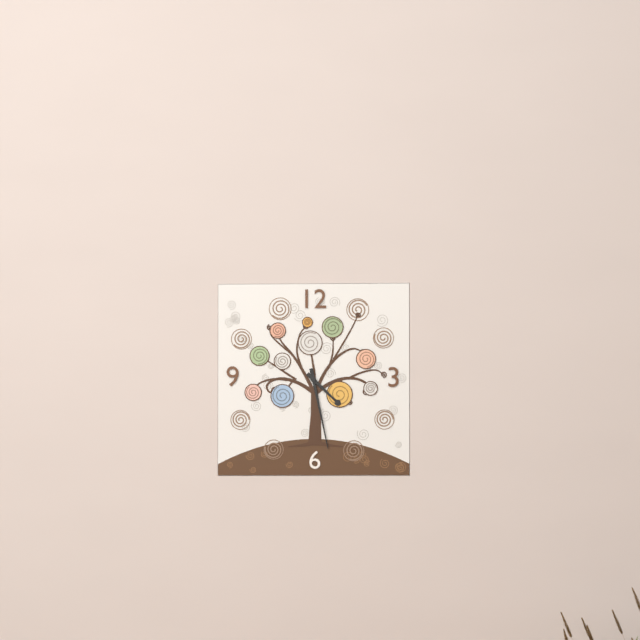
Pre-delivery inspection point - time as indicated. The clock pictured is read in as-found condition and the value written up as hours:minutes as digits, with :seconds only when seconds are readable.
4:28
